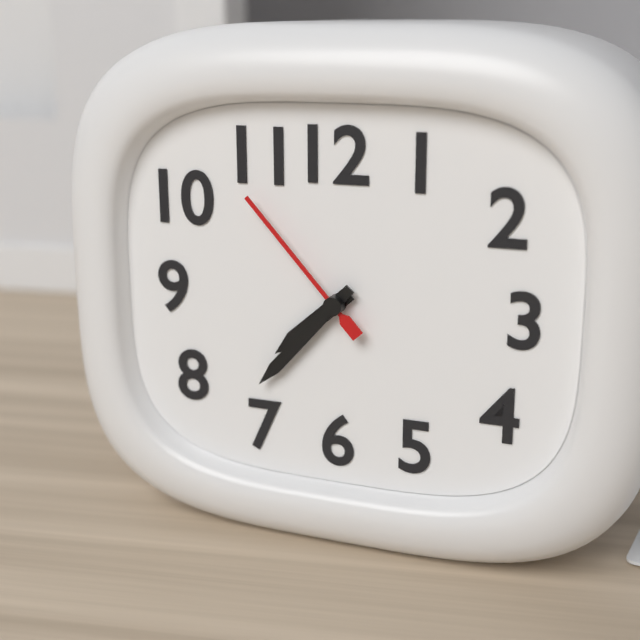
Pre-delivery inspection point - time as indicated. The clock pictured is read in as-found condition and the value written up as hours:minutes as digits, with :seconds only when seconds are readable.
7:37:53
